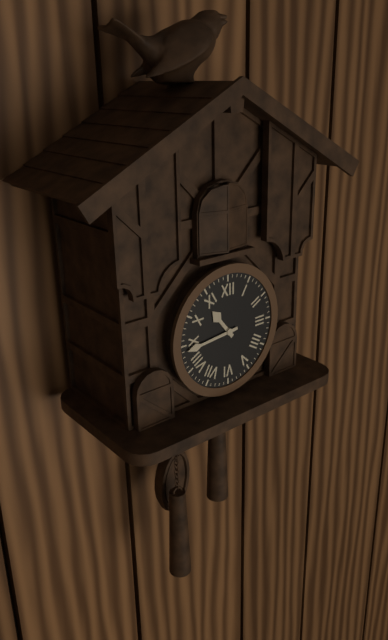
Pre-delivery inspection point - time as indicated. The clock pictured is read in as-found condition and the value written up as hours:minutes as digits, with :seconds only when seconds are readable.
10:44
